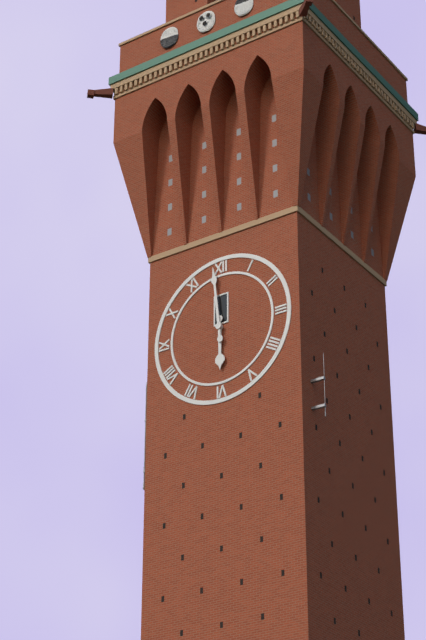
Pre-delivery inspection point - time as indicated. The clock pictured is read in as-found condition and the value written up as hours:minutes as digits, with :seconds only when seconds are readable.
5:59
